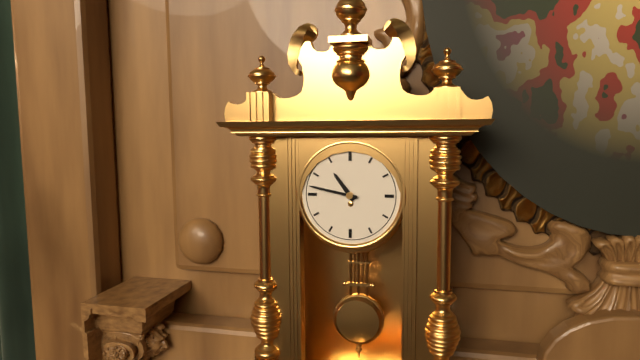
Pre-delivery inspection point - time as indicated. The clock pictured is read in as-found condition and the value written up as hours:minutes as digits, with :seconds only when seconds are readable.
10:47
